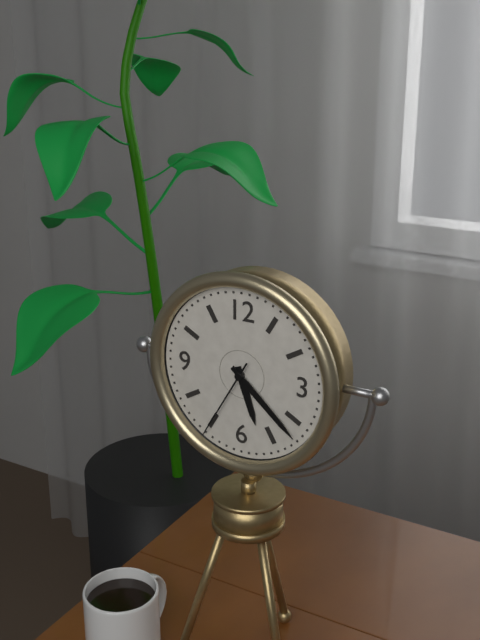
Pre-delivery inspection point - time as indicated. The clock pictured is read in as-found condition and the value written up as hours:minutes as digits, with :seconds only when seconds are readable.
5:22:35
